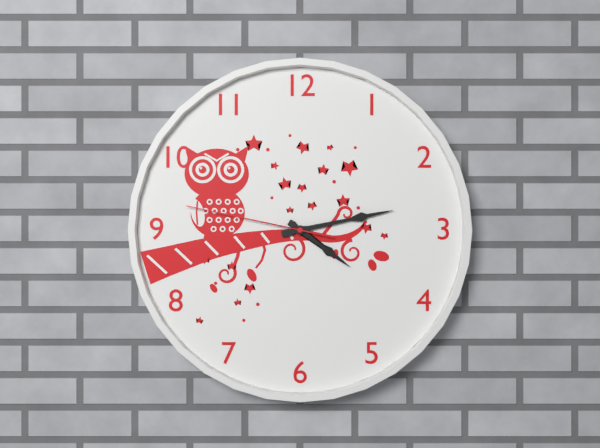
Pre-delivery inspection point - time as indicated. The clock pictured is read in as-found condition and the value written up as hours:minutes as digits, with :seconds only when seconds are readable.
4:13:47
